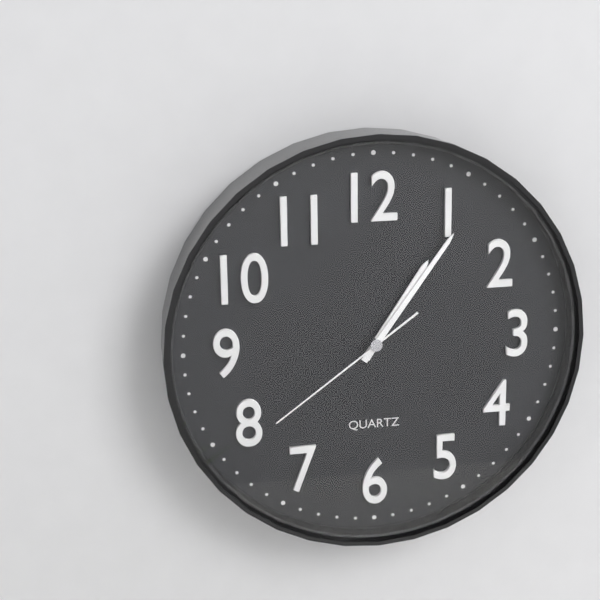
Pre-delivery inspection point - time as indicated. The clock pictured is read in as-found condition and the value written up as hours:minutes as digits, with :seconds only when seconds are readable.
1:06:39
